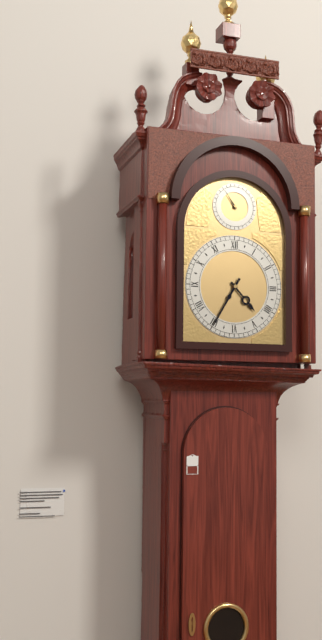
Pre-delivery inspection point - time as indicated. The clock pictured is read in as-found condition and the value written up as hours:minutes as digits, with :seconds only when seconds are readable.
4:35
